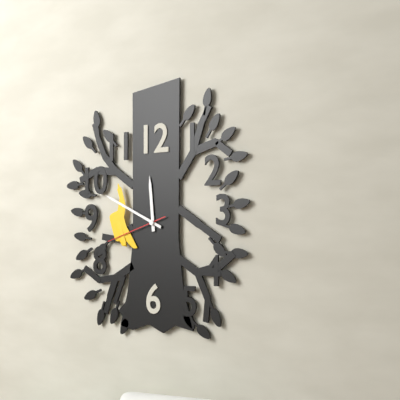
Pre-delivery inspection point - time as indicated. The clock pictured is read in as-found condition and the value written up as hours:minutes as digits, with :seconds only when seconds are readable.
11:49:42
